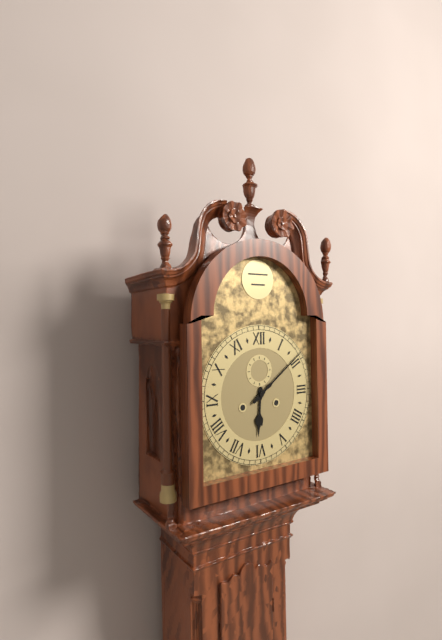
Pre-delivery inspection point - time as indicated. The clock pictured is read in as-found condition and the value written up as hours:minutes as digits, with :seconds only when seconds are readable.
6:09
